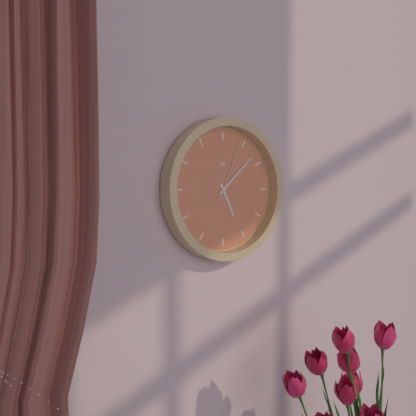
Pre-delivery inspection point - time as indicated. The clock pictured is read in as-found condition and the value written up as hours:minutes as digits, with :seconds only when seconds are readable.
5:08:04
